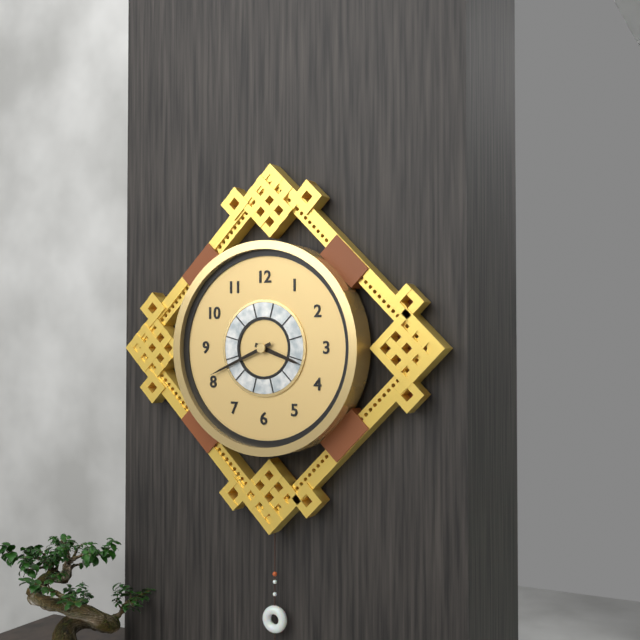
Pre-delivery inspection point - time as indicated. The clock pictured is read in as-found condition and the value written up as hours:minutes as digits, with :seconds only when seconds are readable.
3:41
